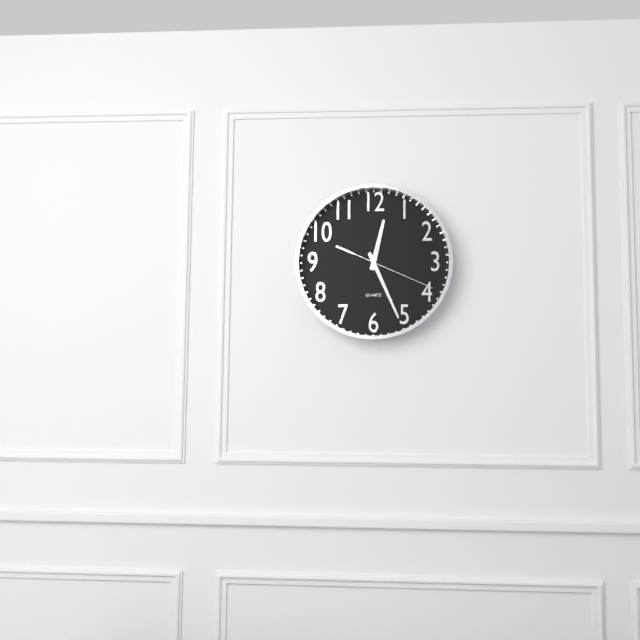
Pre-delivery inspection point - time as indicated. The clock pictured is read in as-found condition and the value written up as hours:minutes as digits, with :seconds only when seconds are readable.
12:26:19
